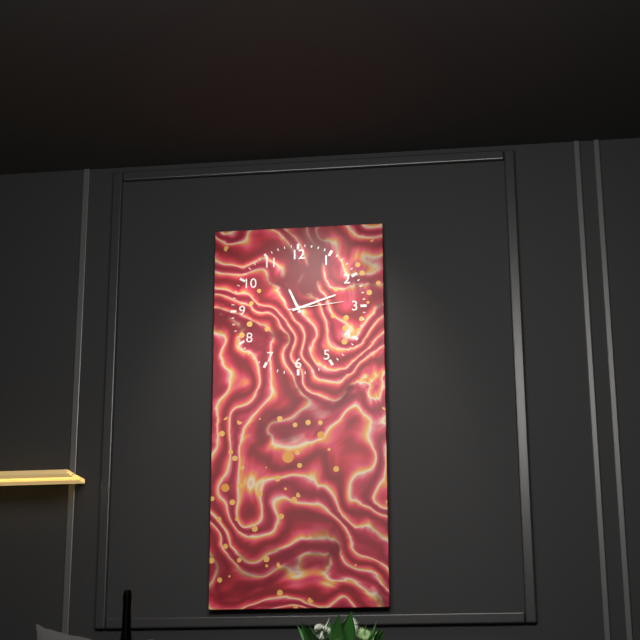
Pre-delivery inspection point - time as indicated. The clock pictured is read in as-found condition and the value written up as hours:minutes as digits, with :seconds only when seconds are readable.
11:12:14
